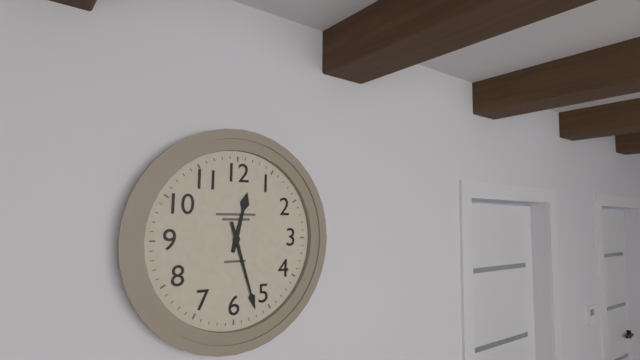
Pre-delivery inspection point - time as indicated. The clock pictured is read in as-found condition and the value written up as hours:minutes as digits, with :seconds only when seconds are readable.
12:27
